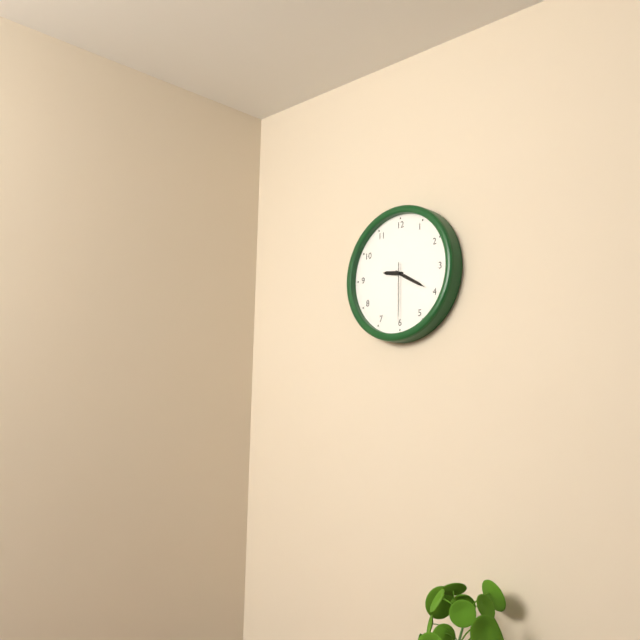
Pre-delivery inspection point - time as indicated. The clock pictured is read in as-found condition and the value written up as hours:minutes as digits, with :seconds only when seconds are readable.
9:20:30
